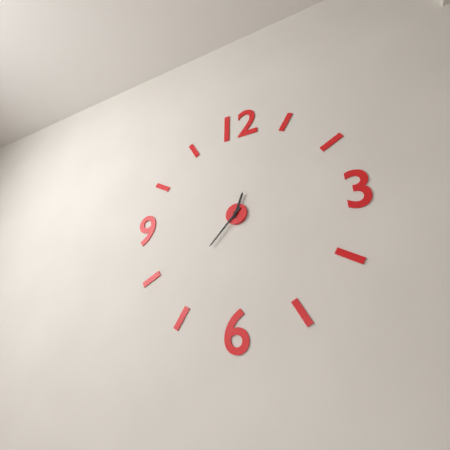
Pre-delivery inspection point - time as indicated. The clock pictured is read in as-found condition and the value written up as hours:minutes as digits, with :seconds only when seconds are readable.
12:37
